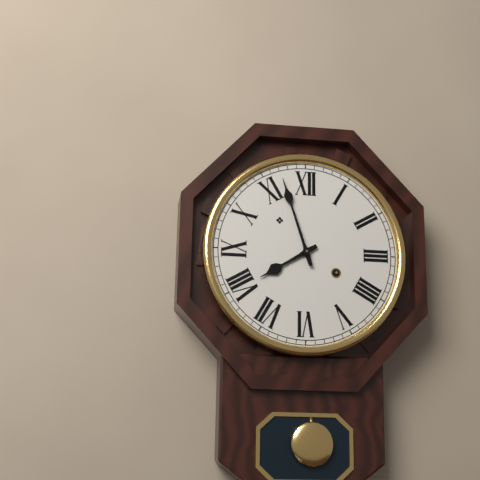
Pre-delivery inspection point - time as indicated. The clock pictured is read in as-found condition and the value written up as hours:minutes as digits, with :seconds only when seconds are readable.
7:57
